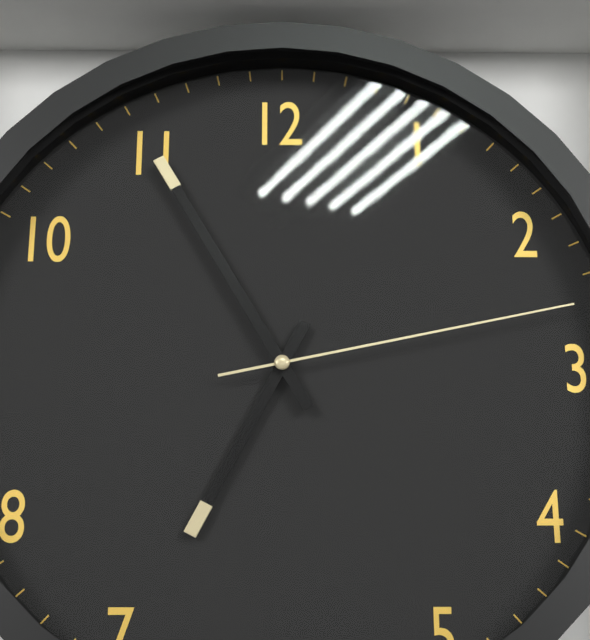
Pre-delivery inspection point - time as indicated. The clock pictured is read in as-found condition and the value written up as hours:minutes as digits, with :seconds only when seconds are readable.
6:55:13
